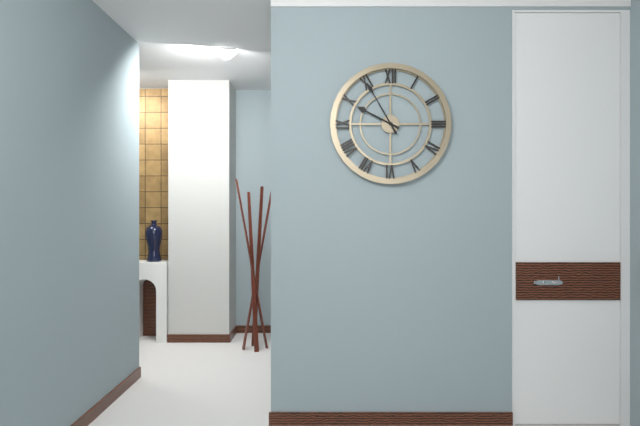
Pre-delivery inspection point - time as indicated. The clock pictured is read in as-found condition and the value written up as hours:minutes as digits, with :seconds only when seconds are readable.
9:55
